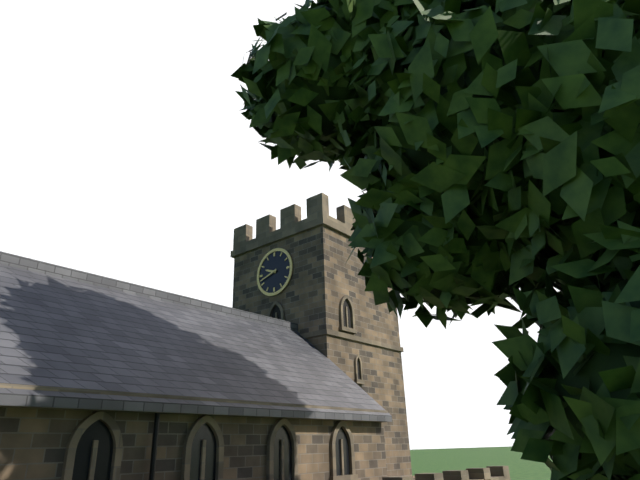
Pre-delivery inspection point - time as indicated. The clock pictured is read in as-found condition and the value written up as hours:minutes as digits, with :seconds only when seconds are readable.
9:42
